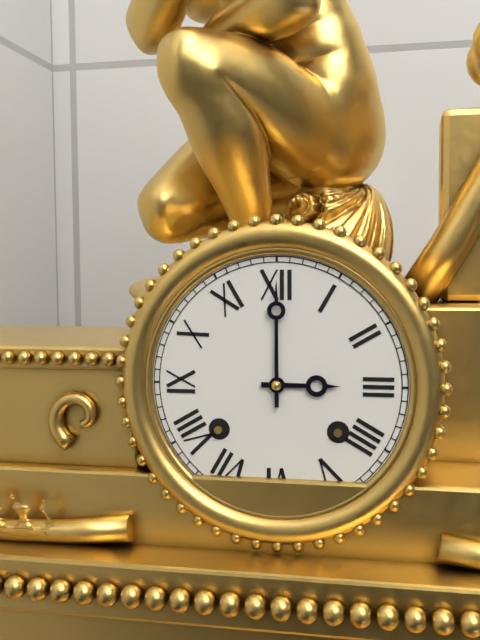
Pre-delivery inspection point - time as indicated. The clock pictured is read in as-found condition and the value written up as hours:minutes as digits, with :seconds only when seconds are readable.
3:00
